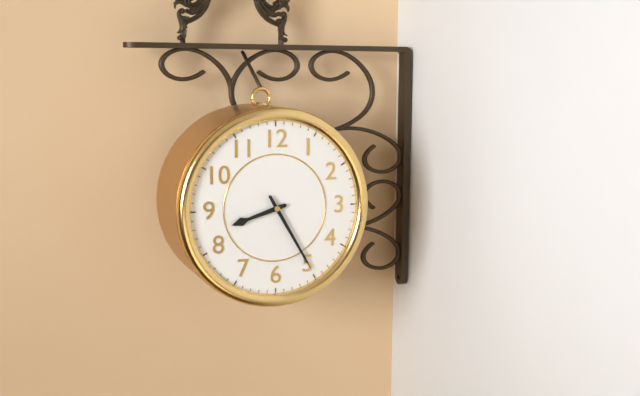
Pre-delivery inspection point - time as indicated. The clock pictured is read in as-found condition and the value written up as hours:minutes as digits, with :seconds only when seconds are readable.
8:25
